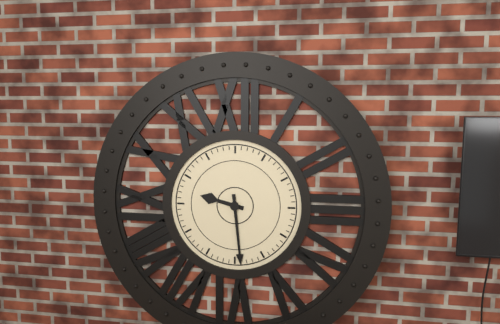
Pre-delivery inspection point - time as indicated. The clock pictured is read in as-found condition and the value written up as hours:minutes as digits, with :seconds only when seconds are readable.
9:29
